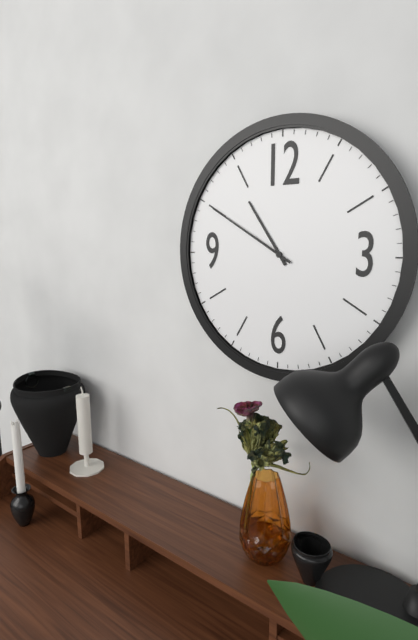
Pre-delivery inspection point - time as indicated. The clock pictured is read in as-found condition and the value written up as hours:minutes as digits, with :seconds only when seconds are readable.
10:50
